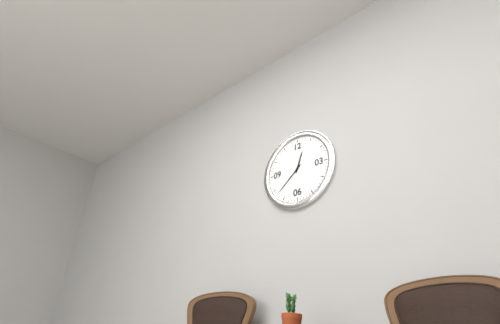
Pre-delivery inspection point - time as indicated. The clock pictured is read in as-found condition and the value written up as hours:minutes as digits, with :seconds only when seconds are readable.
12:38
